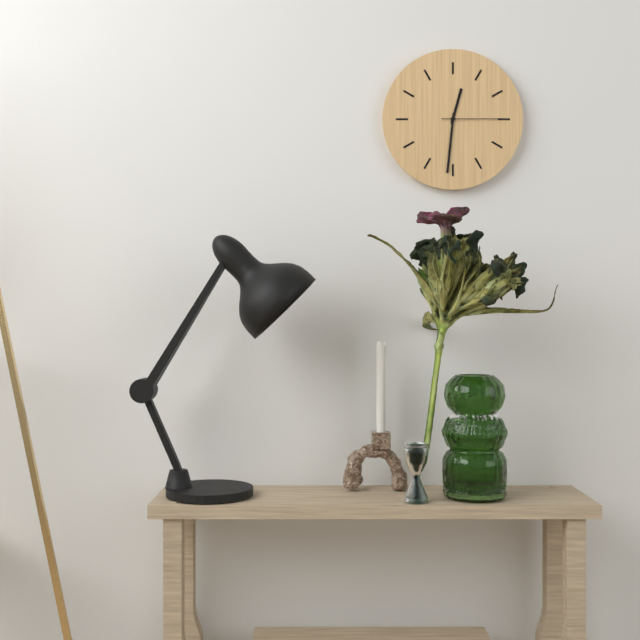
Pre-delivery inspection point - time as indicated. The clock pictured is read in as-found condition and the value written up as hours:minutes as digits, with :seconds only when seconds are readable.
12:31:15
